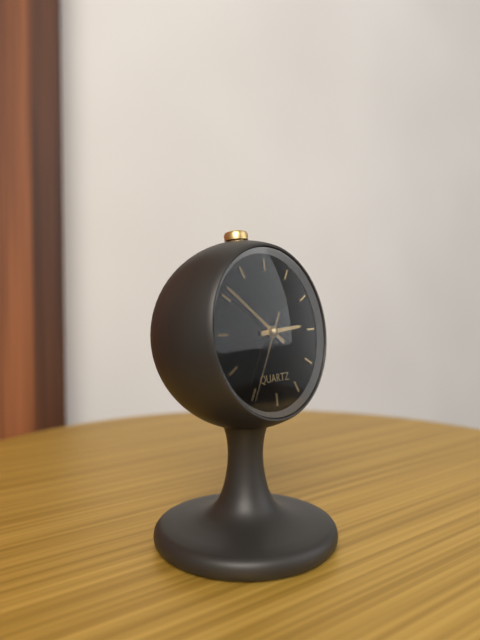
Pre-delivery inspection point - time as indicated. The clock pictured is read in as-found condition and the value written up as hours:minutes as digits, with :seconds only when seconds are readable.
2:51:35
